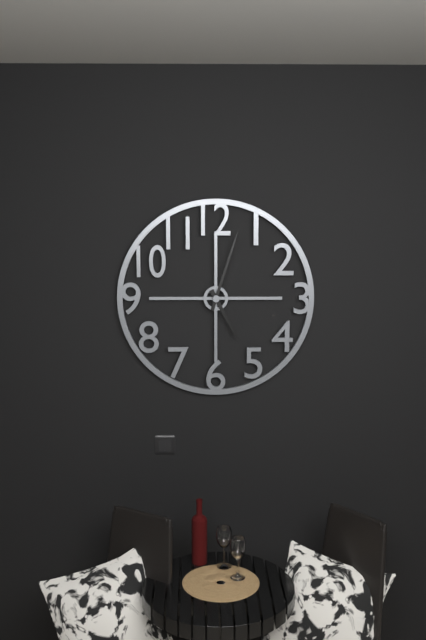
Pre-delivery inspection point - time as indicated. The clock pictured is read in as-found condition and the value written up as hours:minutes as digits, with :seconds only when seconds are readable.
5:03
